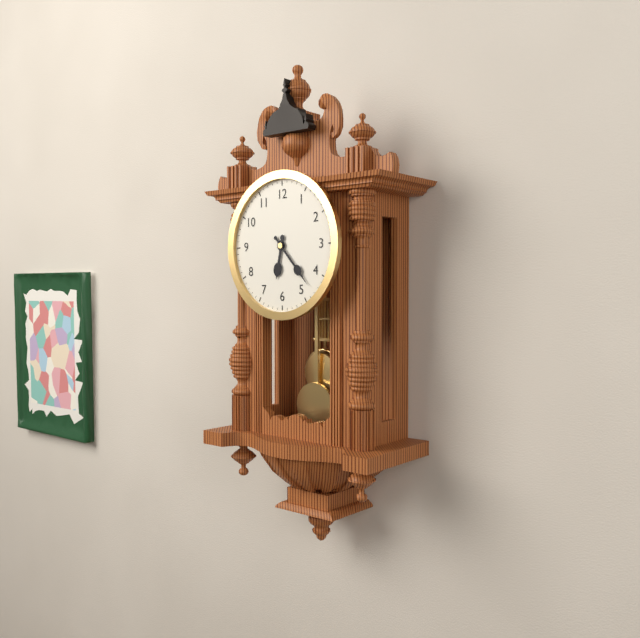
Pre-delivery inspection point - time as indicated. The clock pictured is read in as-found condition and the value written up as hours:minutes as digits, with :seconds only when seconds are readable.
6:23
